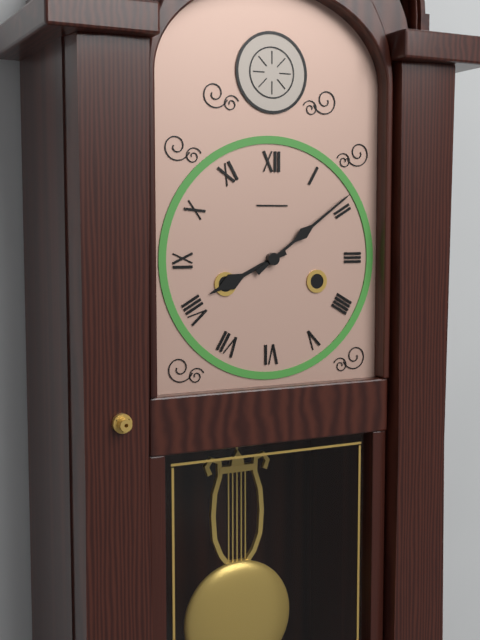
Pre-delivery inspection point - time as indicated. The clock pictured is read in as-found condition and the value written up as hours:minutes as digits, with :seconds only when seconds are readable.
8:09
